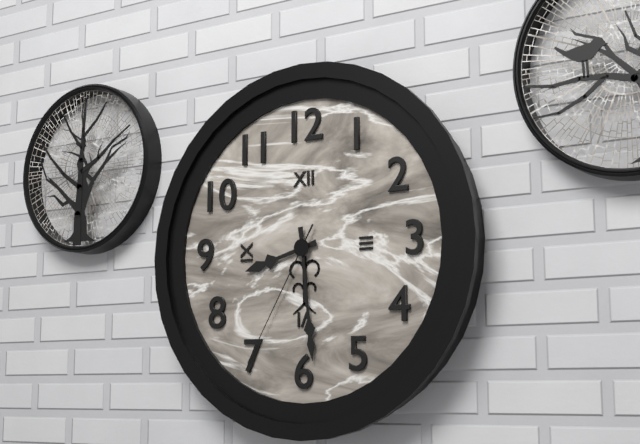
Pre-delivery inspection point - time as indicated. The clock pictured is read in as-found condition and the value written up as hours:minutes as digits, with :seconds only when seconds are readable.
8:29:35
